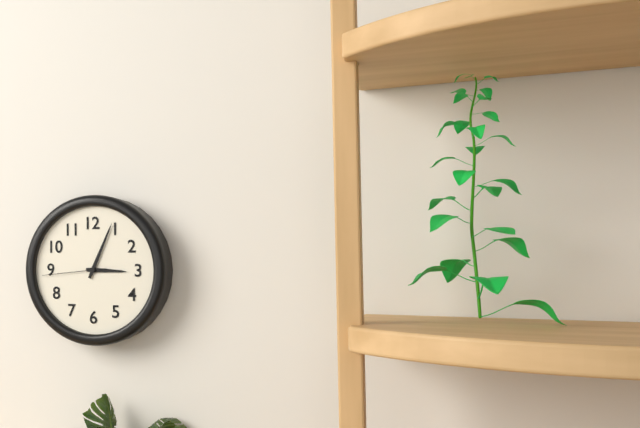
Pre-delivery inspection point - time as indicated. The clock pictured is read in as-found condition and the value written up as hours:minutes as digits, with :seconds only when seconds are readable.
3:04:44
